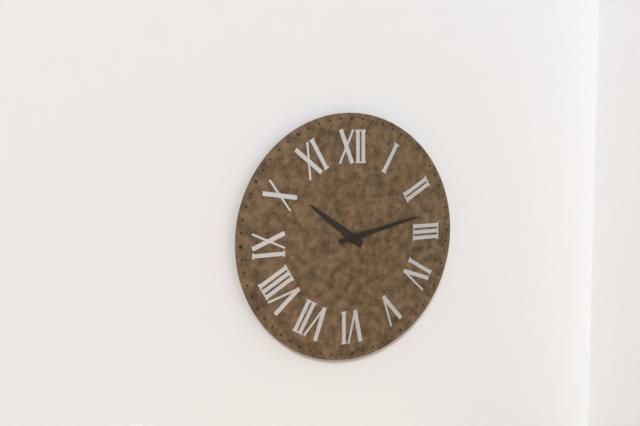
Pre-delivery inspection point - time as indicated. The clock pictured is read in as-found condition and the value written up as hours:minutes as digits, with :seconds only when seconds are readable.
10:13
